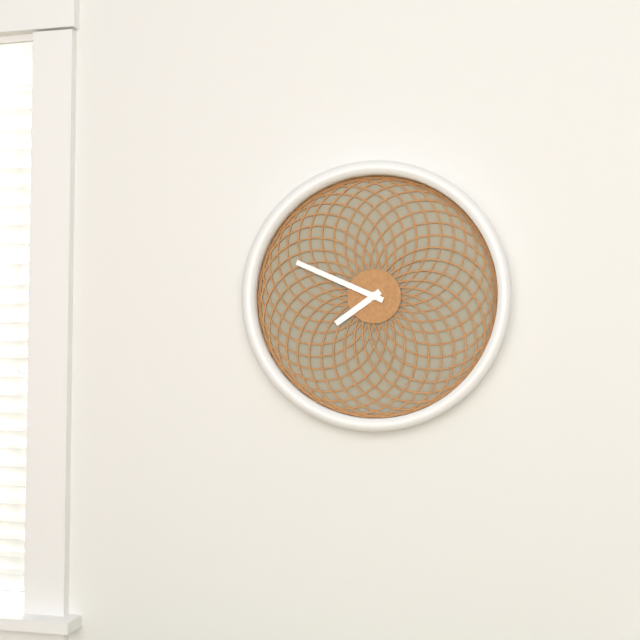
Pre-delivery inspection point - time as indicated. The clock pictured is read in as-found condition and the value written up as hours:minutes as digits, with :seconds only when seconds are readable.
7:49
